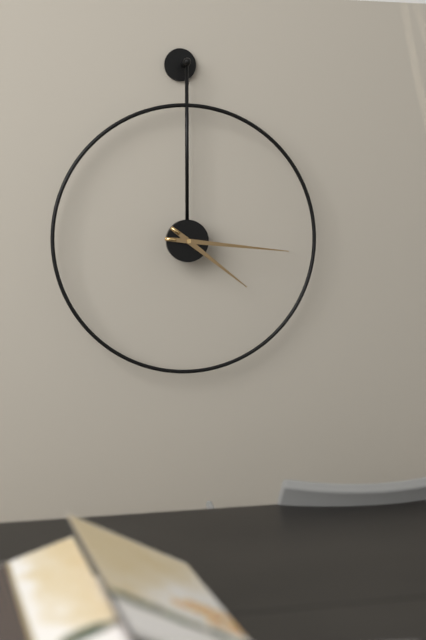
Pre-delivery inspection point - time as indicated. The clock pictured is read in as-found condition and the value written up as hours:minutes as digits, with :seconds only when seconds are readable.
4:16
